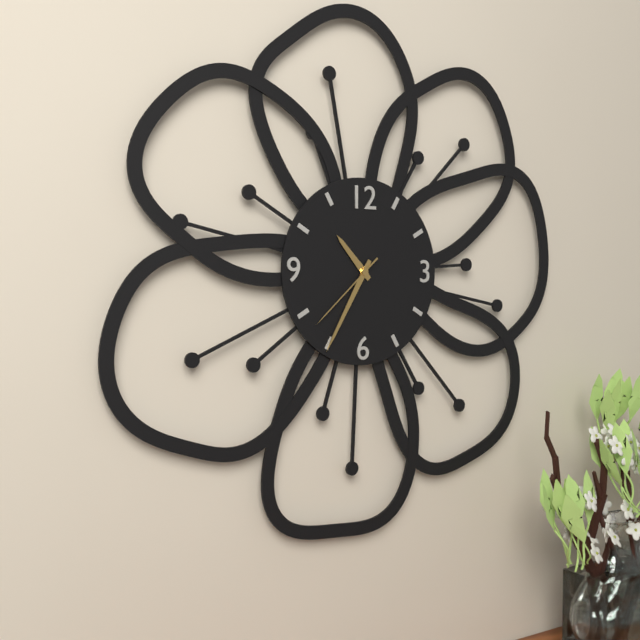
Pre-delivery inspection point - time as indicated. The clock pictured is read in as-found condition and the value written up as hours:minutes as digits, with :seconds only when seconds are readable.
10:35:38
